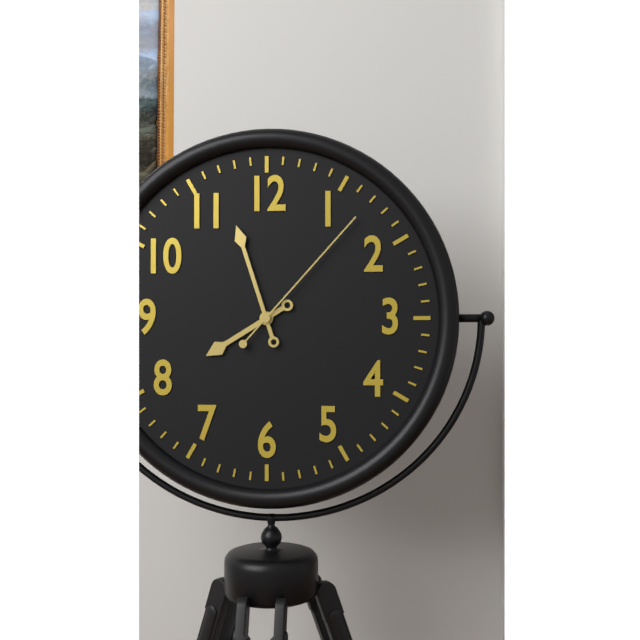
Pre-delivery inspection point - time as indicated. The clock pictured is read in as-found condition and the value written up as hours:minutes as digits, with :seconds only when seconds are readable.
7:57:07
